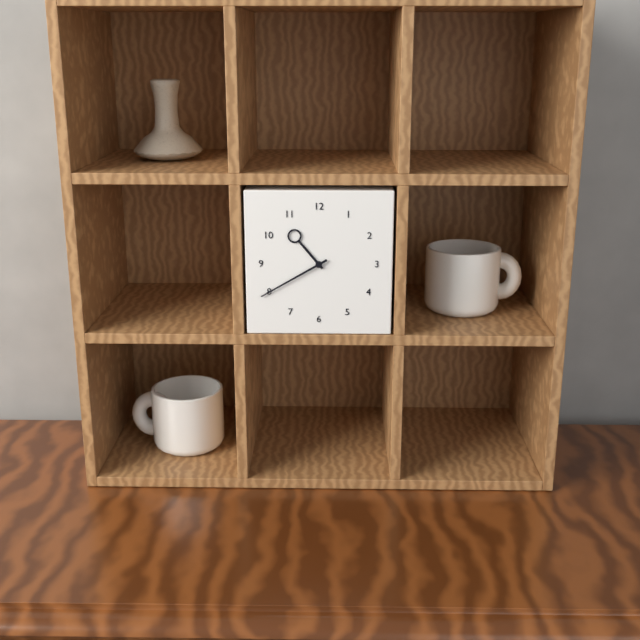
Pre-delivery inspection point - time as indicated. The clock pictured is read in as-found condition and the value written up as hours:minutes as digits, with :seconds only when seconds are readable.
10:40
